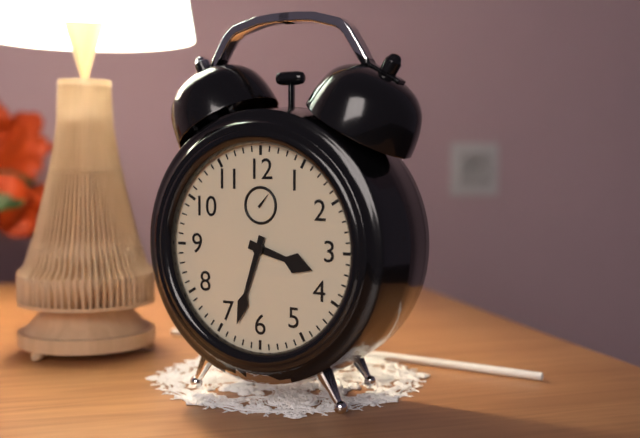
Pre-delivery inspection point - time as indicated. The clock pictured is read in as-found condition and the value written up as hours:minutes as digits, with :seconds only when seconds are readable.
3:33
